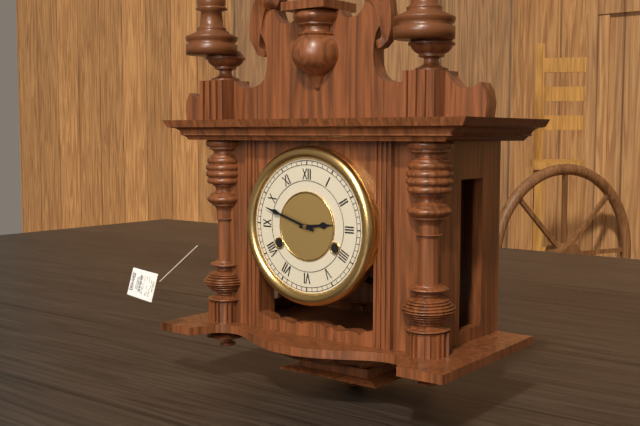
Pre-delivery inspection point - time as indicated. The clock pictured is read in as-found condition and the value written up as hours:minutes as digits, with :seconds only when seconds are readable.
2:48
